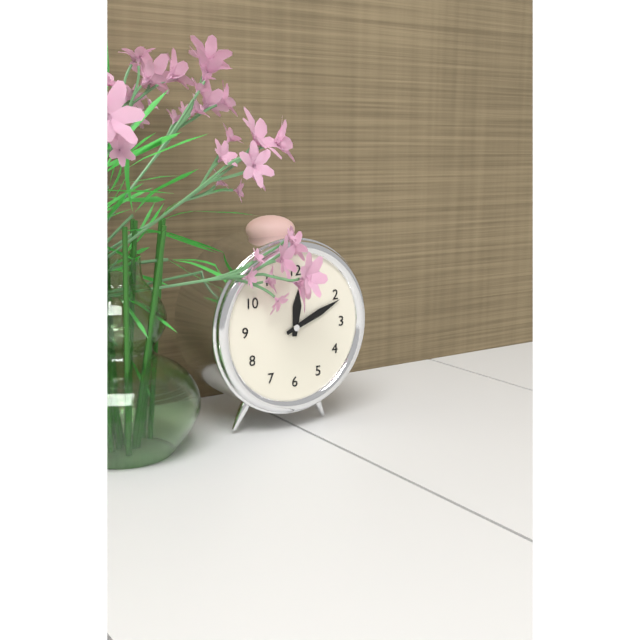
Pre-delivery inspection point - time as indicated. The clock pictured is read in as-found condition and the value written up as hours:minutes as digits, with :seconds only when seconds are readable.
12:11
